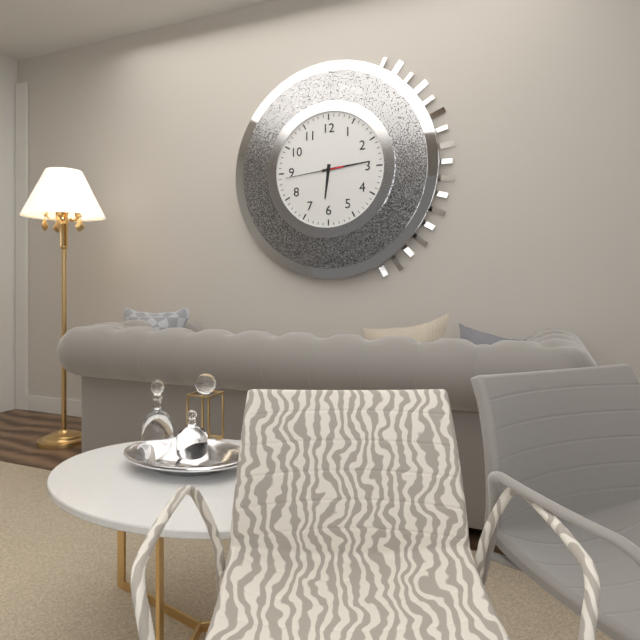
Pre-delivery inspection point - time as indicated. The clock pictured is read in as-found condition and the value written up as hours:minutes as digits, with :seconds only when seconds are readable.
6:14:44
